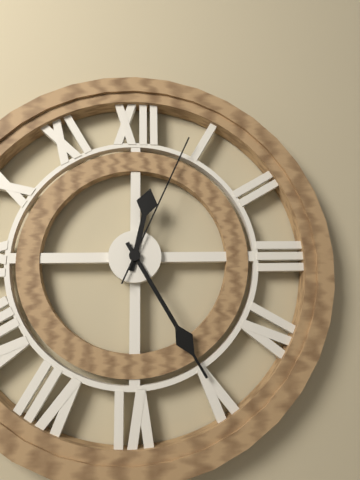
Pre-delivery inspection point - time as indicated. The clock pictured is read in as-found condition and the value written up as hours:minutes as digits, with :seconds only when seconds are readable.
12:25:04
